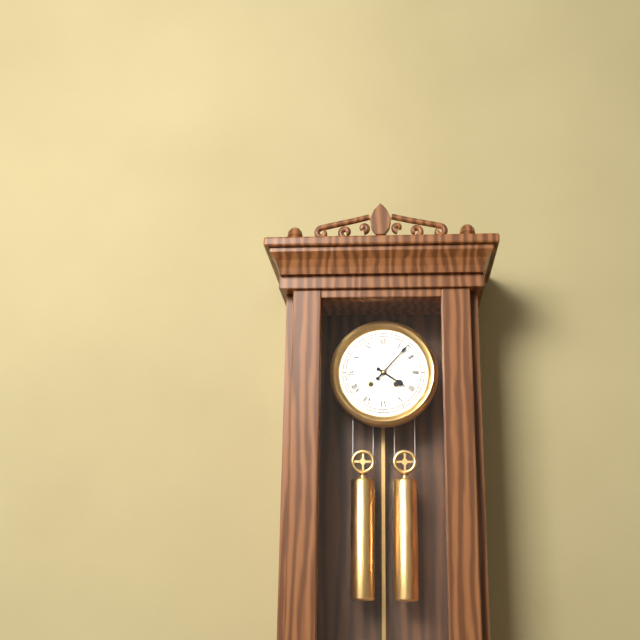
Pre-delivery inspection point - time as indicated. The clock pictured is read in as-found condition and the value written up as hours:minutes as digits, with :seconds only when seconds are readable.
4:07
